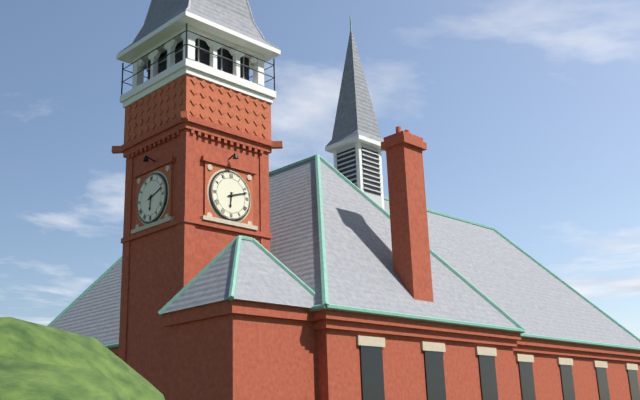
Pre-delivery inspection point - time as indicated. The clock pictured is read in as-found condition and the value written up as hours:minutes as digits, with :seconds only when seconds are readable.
6:12
